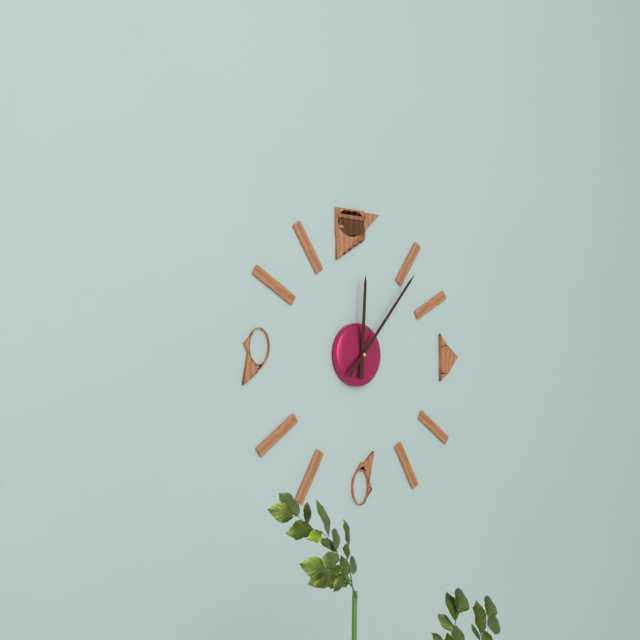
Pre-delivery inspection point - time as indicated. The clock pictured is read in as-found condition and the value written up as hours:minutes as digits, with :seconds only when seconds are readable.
12:07
